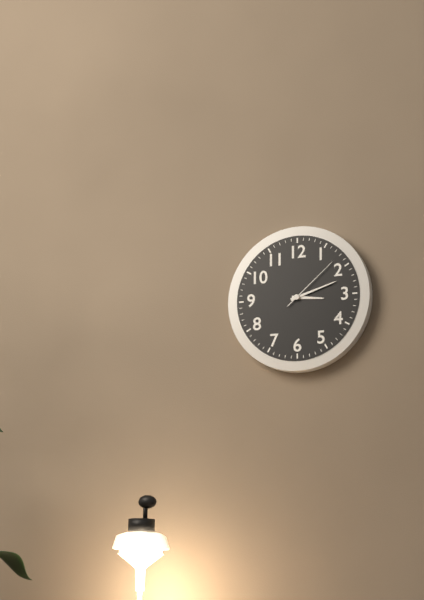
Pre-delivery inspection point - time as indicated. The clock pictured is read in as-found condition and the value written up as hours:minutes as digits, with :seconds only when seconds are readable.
3:12:08
